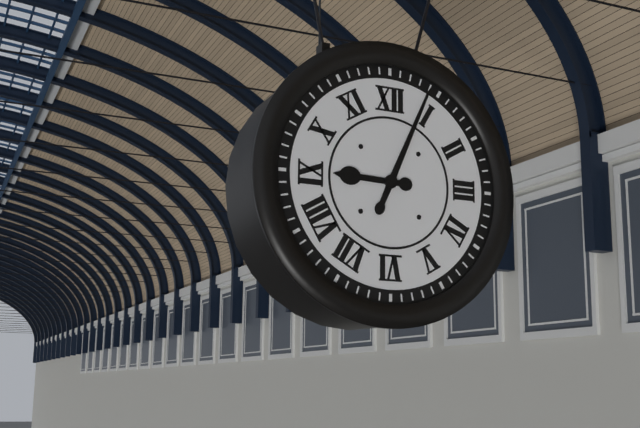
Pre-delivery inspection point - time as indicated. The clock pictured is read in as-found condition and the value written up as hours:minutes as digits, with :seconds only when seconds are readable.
9:04
